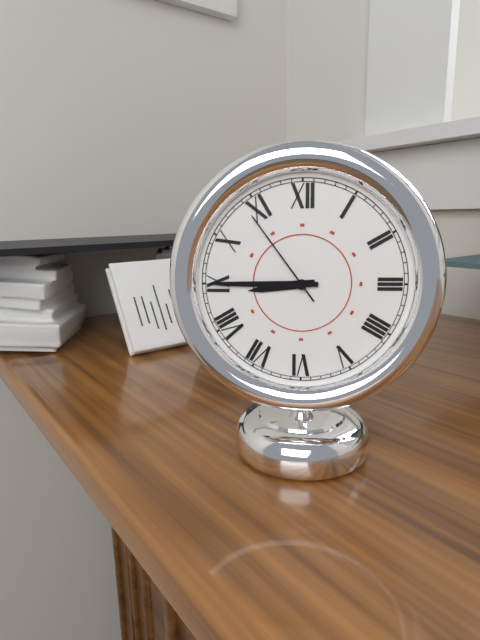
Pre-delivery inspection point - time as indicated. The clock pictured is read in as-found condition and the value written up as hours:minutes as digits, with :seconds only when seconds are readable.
8:45:54
